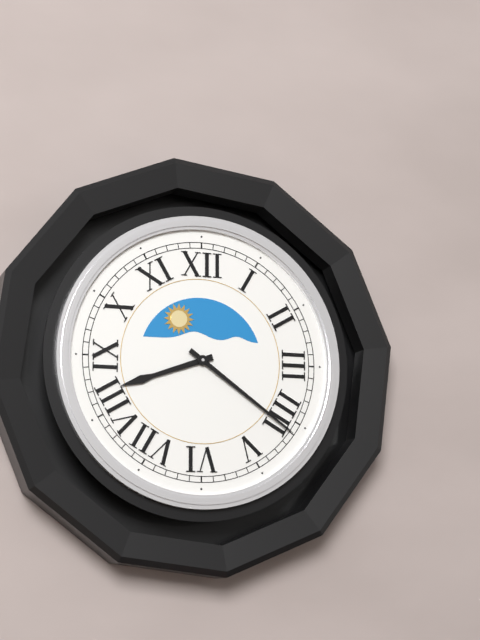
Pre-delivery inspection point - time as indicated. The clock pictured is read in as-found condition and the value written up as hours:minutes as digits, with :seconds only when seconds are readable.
8:21
